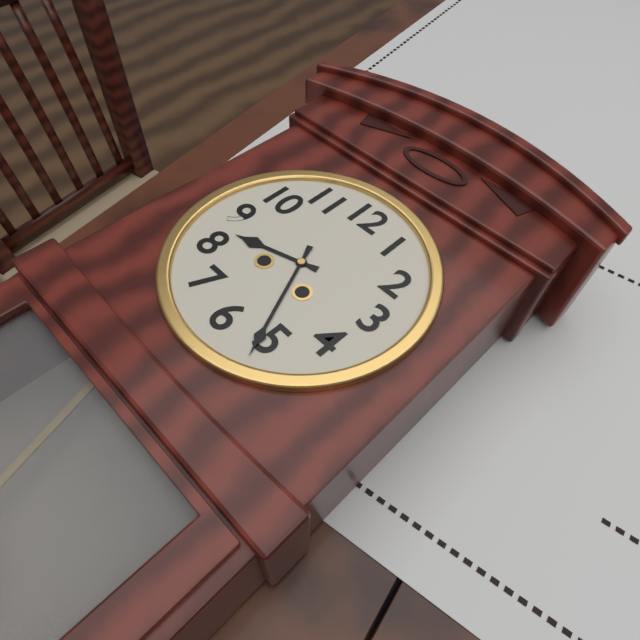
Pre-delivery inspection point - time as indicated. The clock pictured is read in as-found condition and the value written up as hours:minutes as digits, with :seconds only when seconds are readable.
8:26
